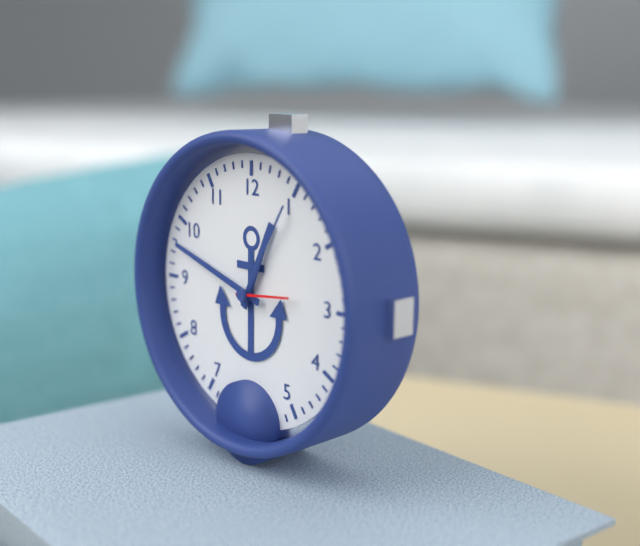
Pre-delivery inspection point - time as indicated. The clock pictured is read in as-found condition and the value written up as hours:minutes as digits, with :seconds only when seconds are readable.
12:48:14
